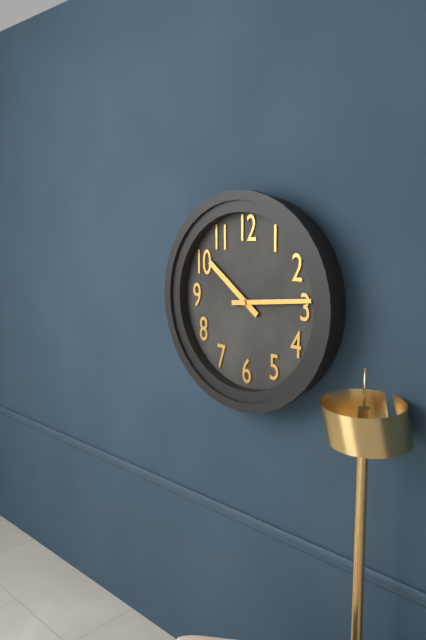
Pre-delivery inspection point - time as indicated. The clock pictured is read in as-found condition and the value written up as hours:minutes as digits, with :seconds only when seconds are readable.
10:14
